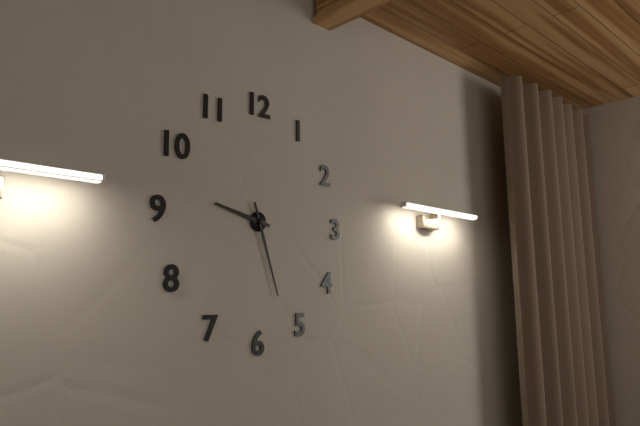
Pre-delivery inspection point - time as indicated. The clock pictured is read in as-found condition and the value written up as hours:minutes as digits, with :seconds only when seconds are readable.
9:27
